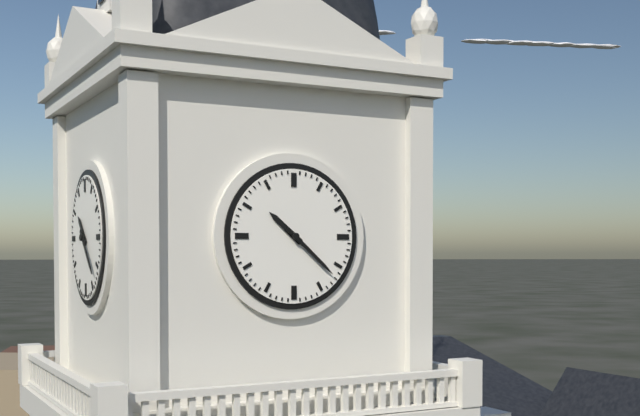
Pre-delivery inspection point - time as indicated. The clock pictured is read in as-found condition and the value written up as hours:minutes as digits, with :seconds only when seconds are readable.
10:22
